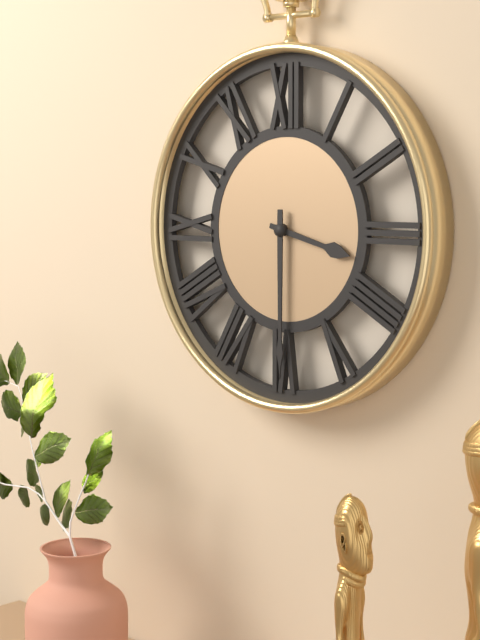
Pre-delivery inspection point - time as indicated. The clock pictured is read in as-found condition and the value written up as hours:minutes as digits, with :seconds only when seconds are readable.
3:30
